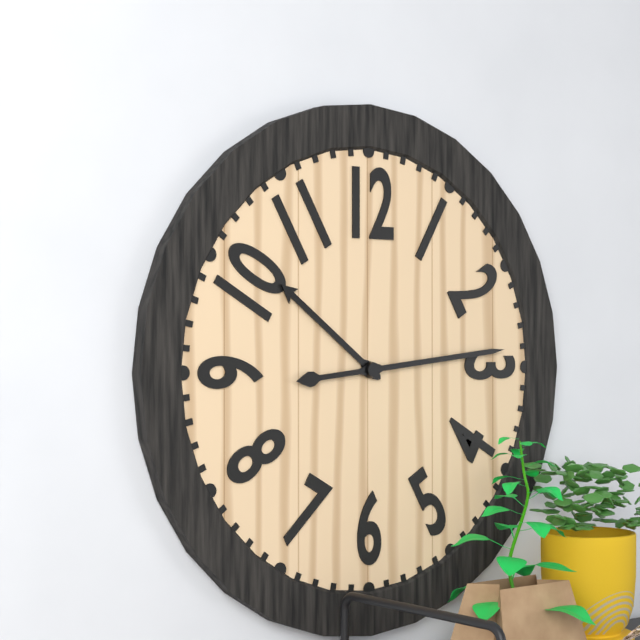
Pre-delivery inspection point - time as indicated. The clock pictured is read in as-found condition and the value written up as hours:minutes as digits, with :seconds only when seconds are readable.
10:14
